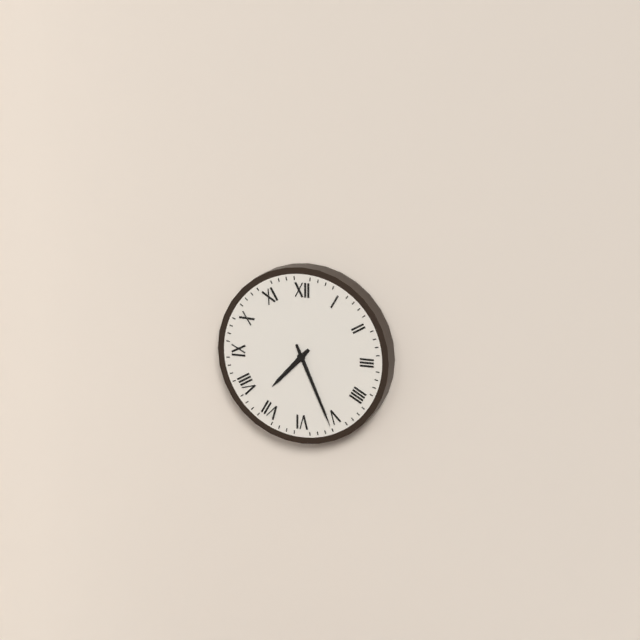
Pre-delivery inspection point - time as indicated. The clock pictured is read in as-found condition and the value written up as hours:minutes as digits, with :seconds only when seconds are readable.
7:26
